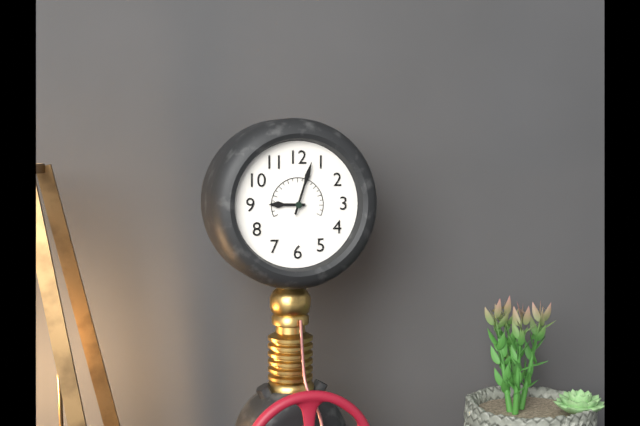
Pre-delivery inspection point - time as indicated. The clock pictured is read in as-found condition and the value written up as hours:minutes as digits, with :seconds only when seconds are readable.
9:03
